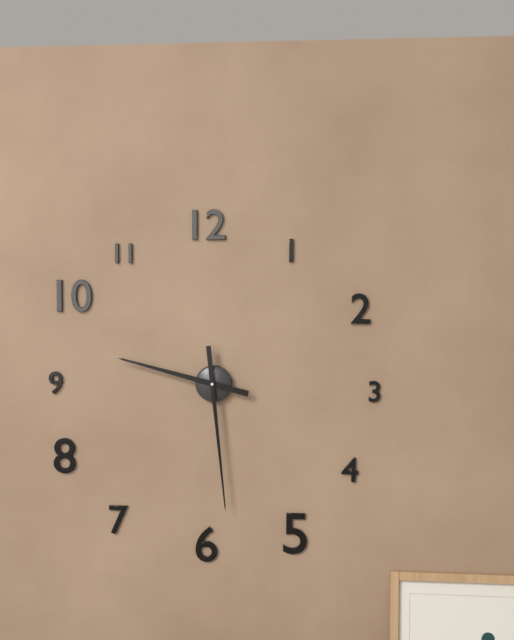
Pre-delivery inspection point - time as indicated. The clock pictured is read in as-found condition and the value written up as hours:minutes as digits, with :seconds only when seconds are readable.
9:29
